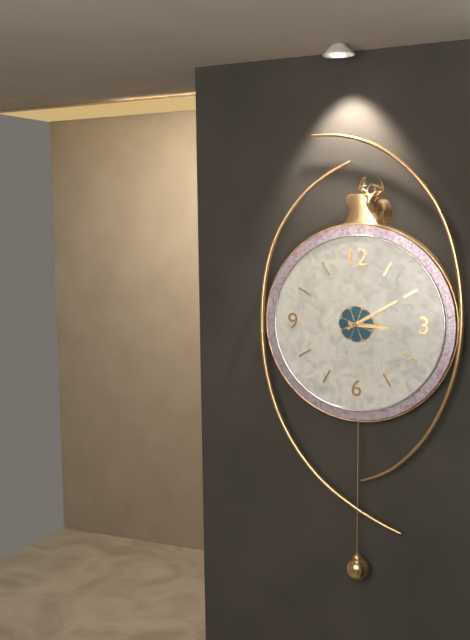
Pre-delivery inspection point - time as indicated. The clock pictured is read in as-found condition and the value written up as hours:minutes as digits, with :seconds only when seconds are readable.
3:10
